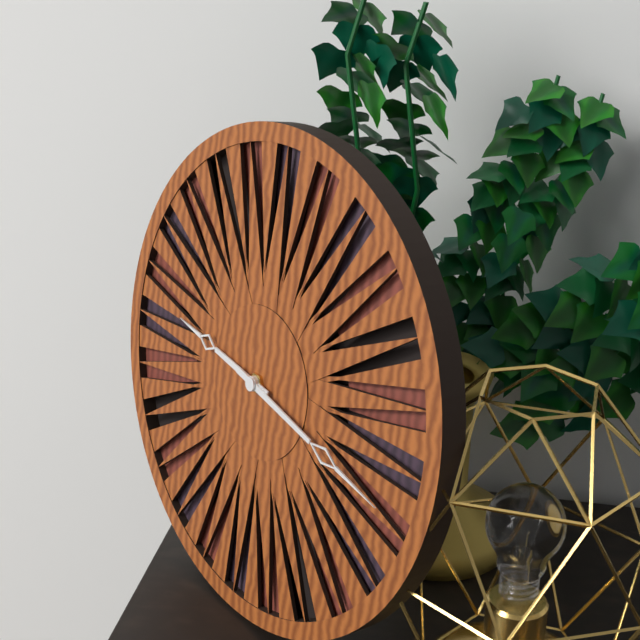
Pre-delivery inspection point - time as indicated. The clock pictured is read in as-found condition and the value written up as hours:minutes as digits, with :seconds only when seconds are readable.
9:17
